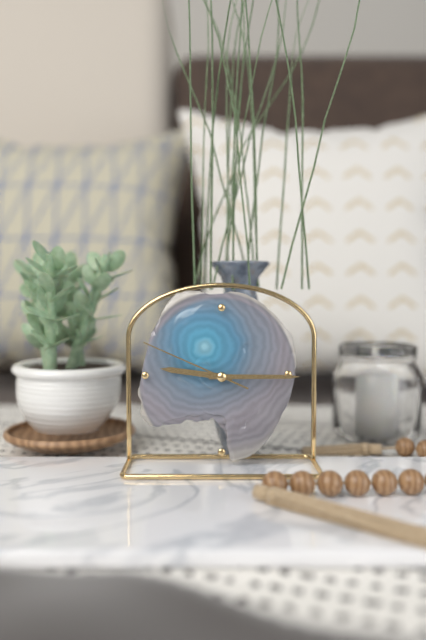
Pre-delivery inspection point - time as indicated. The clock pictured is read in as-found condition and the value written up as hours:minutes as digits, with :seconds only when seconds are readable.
9:15:49
